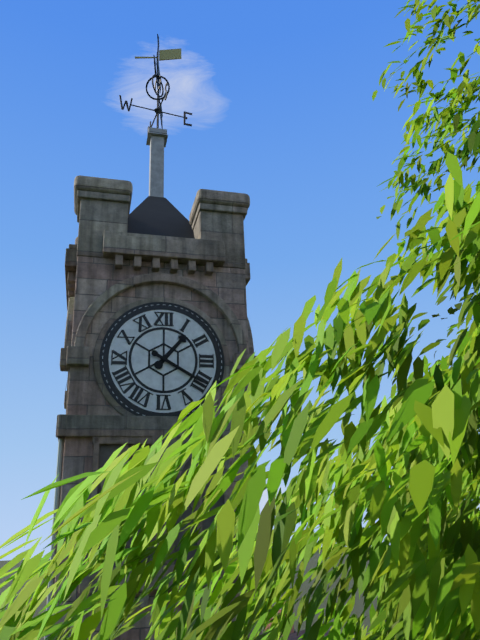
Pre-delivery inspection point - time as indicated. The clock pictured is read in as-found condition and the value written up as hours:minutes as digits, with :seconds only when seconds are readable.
1:20
